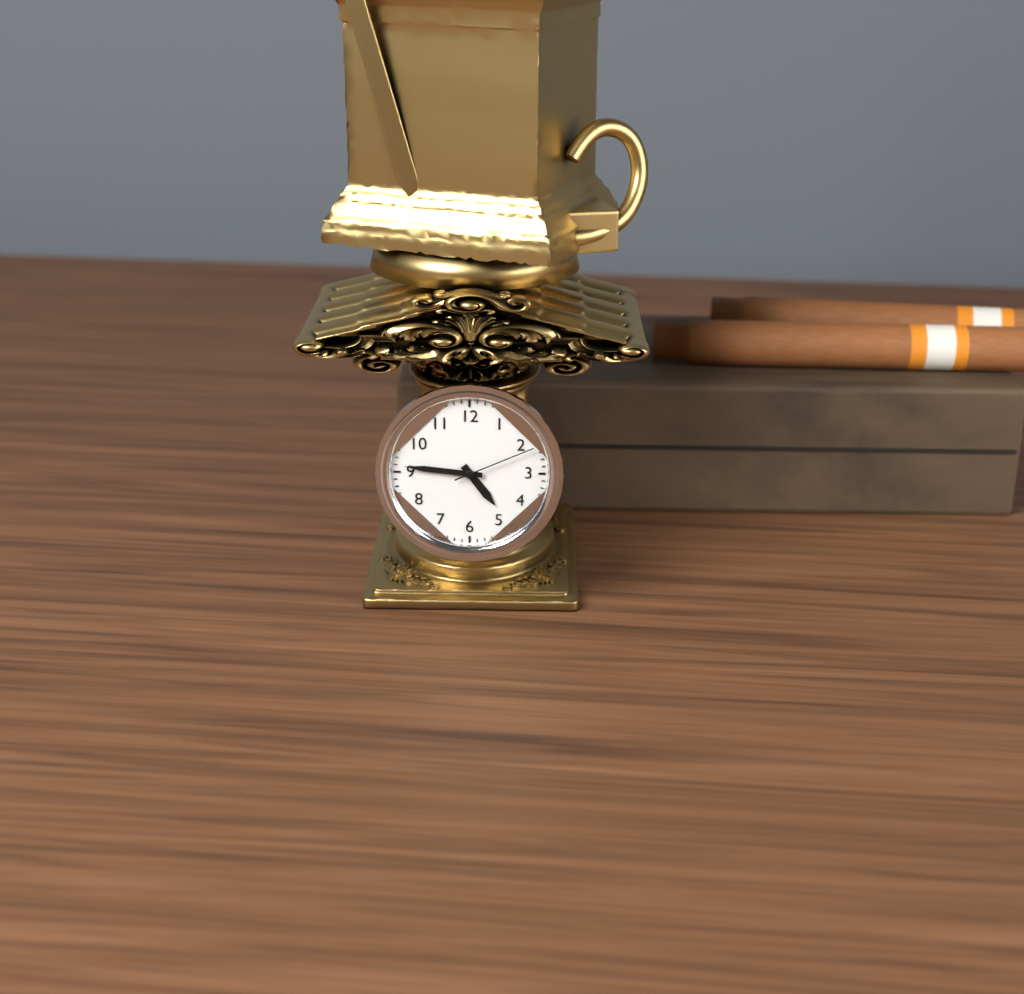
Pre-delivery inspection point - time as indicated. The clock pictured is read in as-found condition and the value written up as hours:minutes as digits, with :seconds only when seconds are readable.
4:46:11
